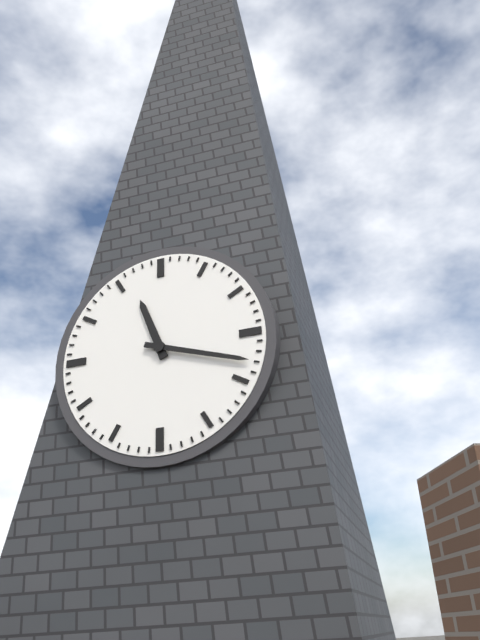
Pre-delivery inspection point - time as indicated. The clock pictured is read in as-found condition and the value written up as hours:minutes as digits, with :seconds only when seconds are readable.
11:18
